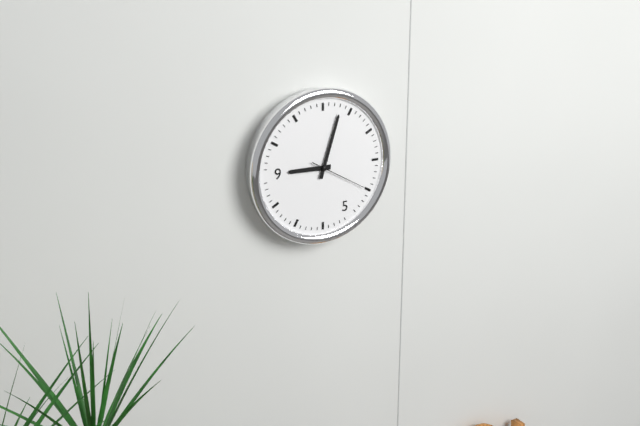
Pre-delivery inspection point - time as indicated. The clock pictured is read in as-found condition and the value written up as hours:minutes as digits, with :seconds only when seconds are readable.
9:03:20
